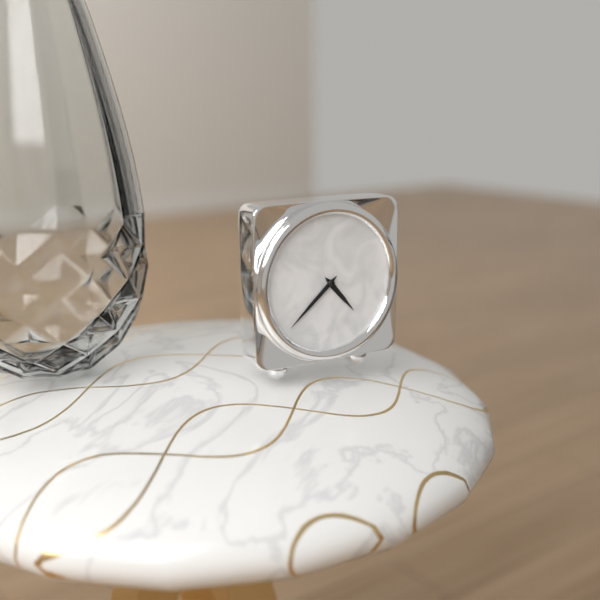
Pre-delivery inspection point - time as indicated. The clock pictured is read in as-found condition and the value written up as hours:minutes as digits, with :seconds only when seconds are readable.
4:38
